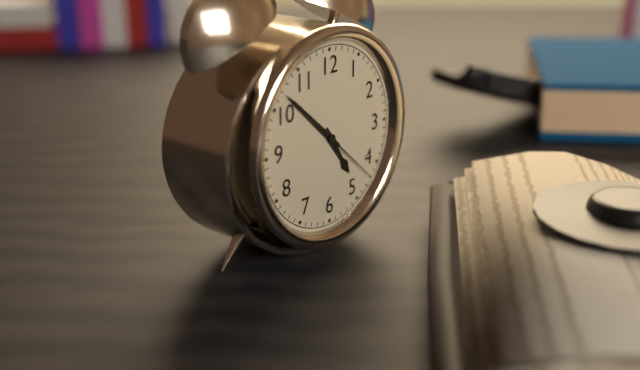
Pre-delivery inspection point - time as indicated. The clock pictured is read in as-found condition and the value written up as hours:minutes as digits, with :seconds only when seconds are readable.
4:52:22
